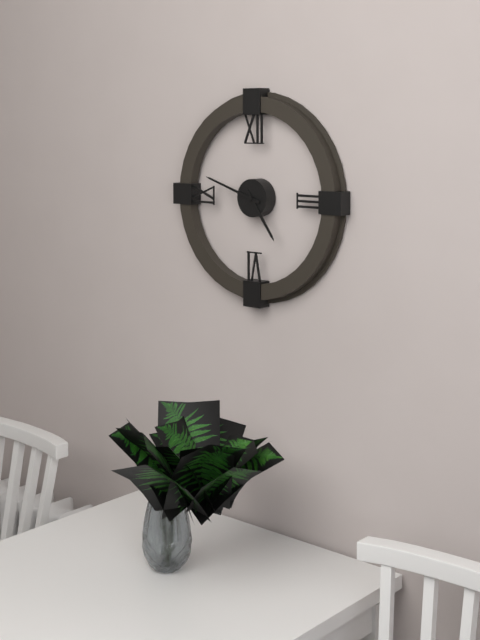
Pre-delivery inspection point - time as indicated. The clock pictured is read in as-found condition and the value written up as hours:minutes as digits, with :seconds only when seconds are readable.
4:48
